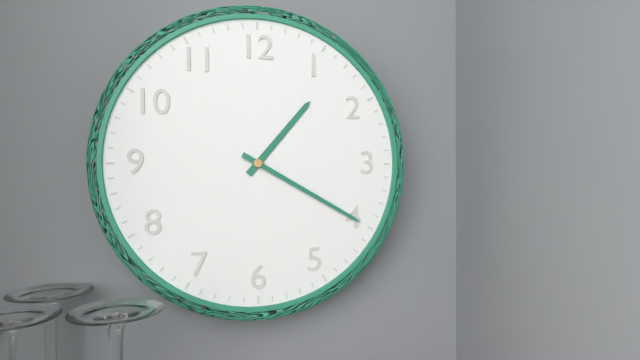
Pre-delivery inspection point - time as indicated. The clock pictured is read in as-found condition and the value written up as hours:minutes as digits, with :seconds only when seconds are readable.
1:20
